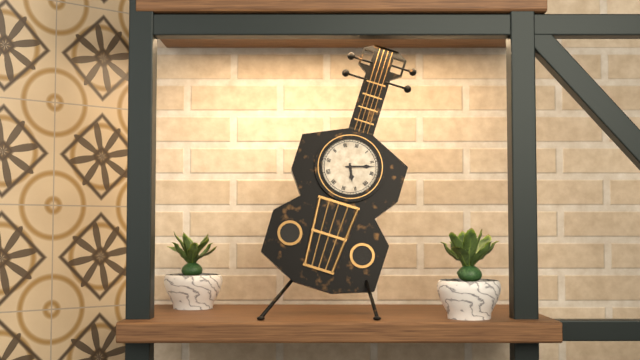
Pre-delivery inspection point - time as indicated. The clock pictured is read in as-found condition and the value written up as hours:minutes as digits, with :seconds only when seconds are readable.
5:12
